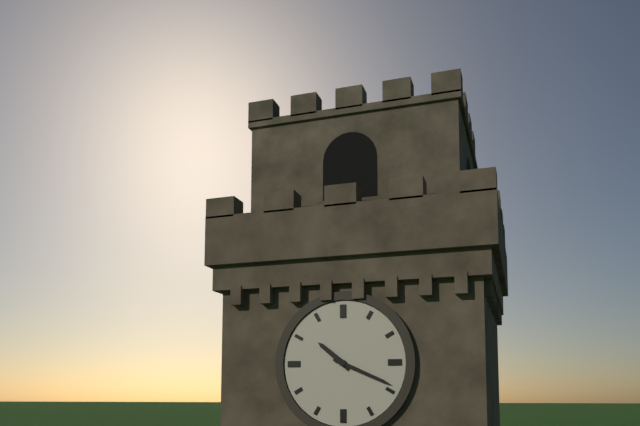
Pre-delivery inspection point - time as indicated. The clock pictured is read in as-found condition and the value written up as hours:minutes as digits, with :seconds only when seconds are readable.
10:19
